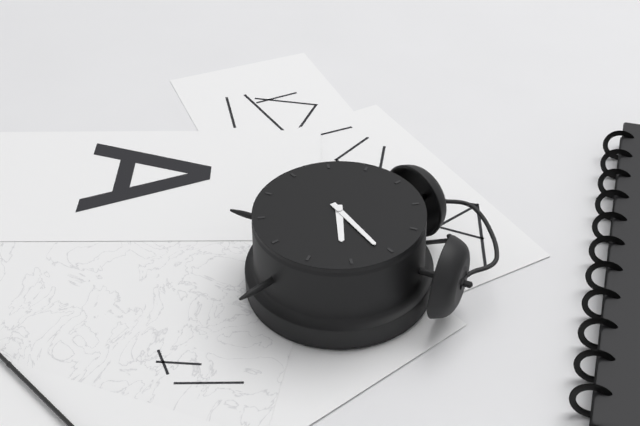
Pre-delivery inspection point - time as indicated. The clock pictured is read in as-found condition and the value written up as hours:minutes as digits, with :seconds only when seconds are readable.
3:11
